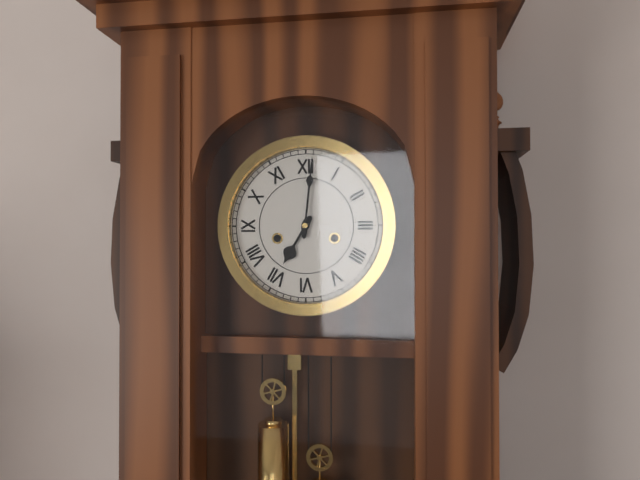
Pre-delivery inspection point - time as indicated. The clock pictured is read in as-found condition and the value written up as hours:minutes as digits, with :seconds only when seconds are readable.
7:01
